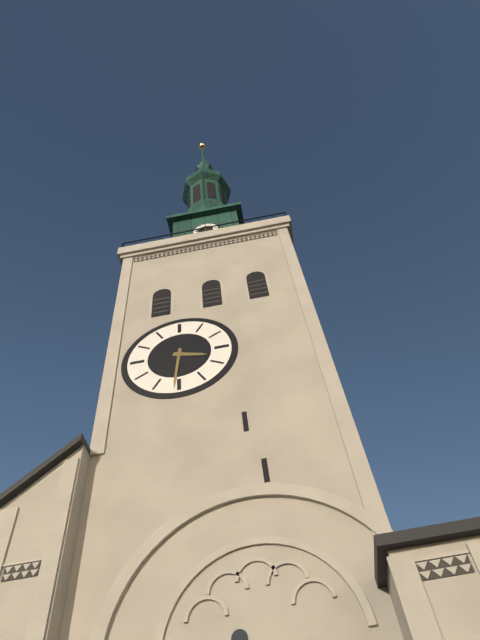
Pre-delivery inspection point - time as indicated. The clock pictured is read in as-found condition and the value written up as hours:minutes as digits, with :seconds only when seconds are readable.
3:31
